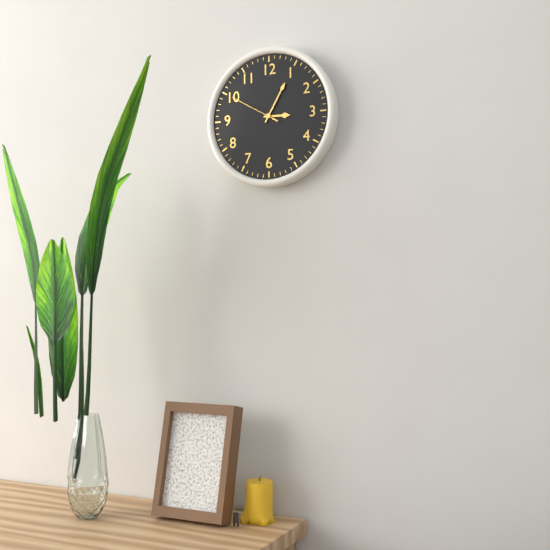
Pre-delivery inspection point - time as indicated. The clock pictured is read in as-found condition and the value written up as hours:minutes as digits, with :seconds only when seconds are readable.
3:05:50
